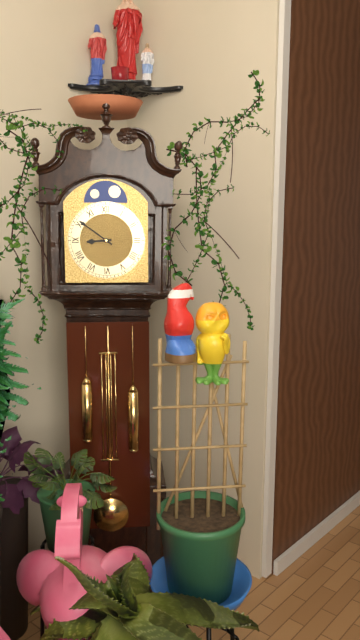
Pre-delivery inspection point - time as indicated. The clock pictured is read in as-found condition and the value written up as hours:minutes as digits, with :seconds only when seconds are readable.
8:51
